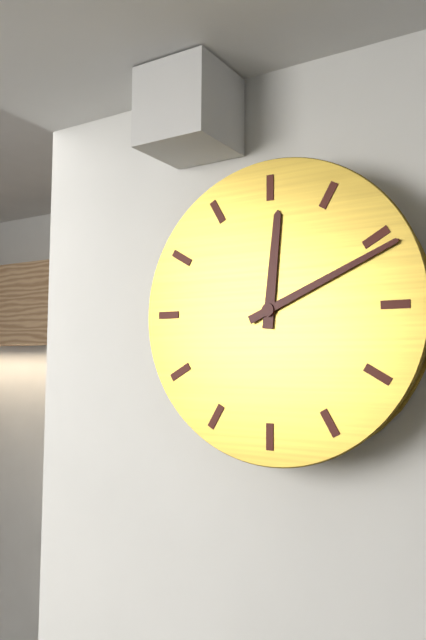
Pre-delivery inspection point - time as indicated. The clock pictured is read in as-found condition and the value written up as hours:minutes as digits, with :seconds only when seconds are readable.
12:11
